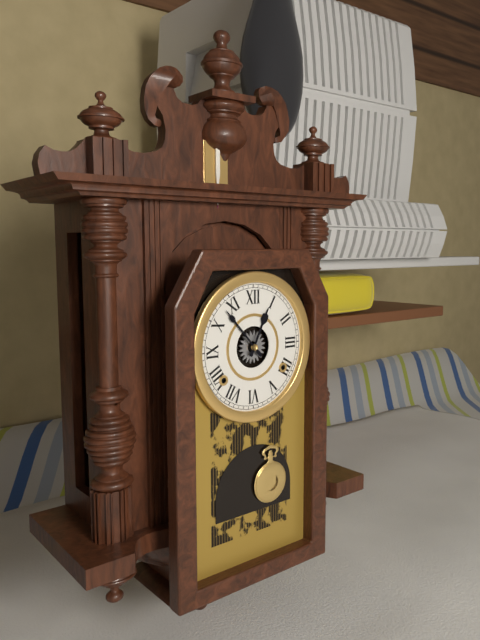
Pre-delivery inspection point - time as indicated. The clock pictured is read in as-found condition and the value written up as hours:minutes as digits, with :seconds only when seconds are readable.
12:53
